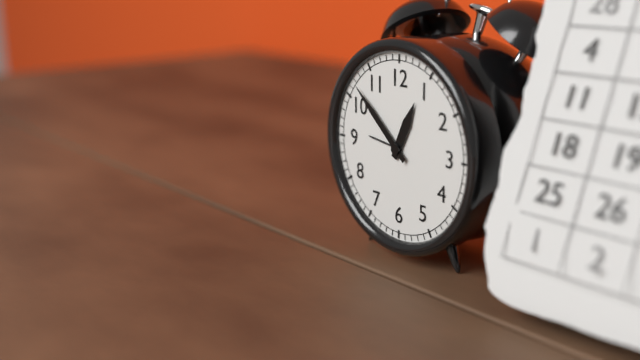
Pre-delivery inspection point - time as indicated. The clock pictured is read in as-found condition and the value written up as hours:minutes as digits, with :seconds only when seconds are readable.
12:52
